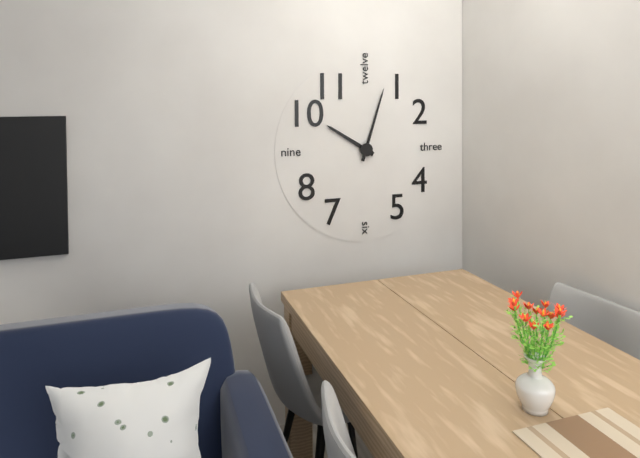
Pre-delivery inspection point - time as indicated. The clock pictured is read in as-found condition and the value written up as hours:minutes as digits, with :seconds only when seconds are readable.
10:03
